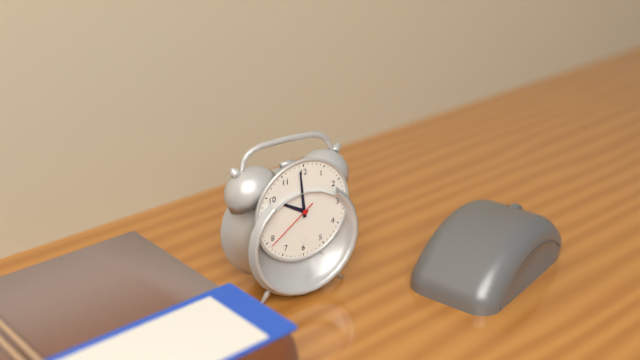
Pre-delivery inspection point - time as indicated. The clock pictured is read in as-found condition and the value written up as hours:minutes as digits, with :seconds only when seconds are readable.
9:59:39
